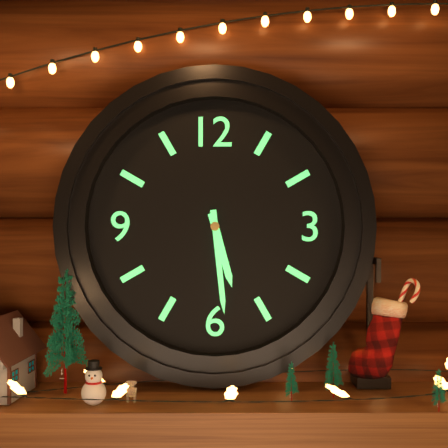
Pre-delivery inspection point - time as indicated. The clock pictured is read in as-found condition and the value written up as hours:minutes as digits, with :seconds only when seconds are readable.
5:29
